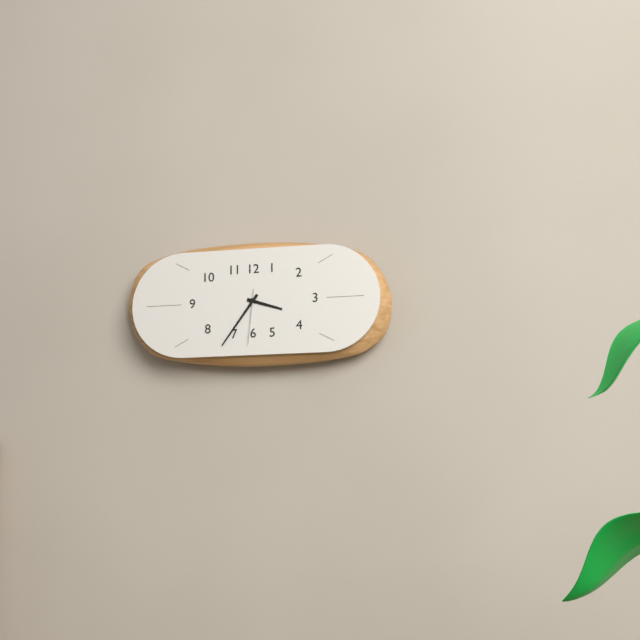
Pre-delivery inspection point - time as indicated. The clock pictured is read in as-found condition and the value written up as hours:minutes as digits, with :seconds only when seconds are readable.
3:36:31
